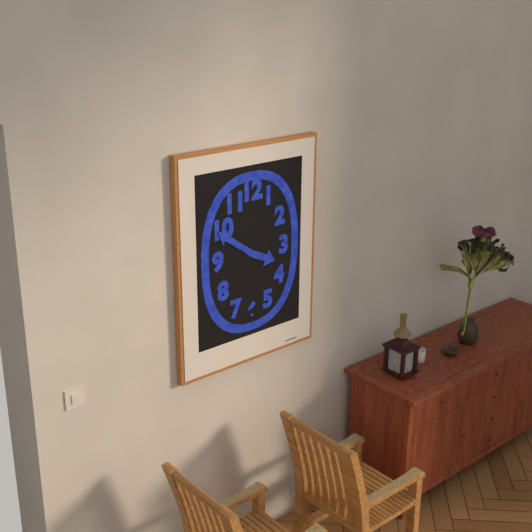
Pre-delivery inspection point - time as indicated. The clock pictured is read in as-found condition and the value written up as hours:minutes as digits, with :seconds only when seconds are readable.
3:51
